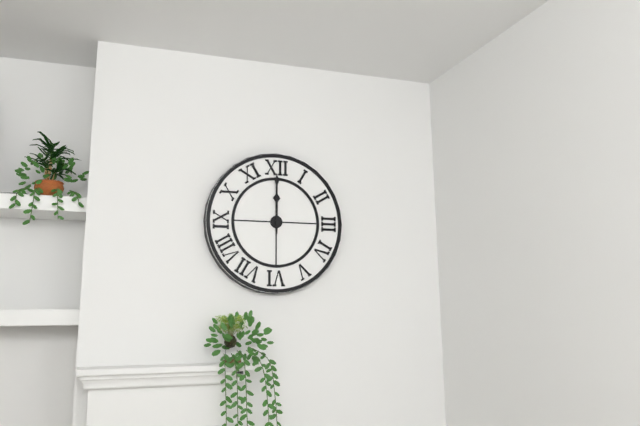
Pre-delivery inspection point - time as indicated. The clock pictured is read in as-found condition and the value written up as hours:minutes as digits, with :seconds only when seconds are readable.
12:00
